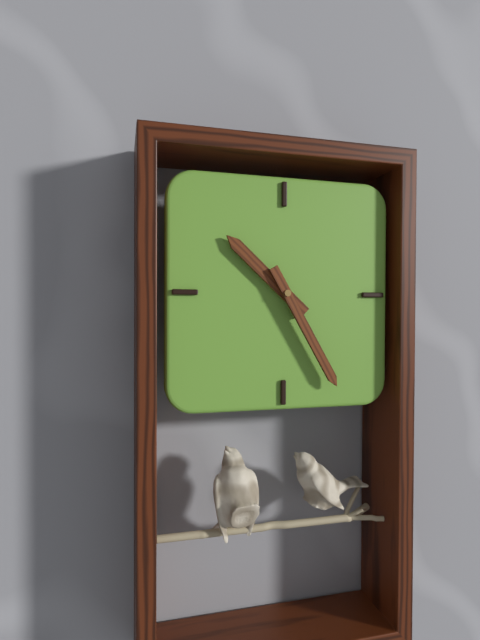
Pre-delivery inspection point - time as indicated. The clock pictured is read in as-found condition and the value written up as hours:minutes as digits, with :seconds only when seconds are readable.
10:25
